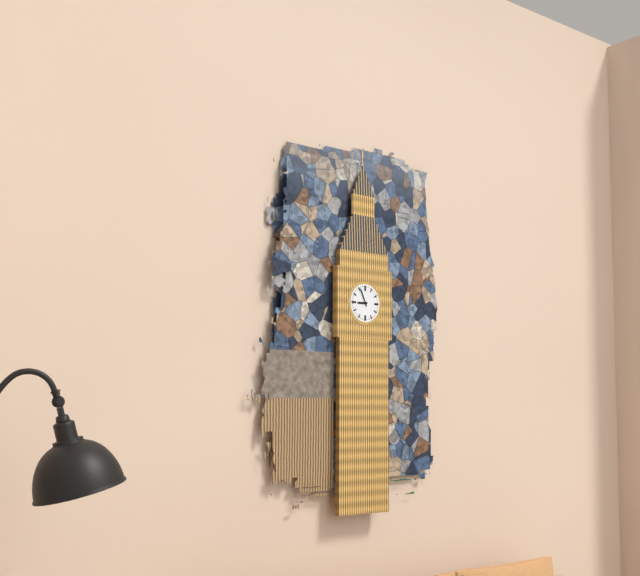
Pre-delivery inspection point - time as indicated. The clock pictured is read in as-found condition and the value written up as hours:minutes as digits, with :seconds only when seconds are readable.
8:56
